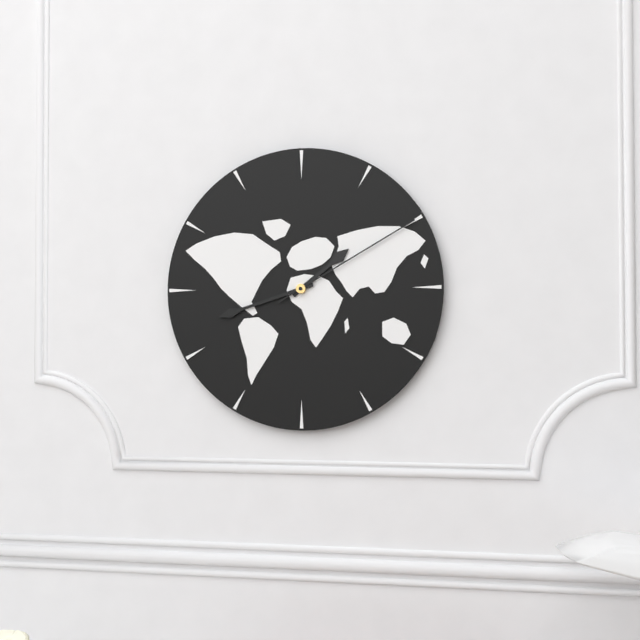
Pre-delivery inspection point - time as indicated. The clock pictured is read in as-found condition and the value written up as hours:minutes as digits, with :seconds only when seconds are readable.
1:42:10
